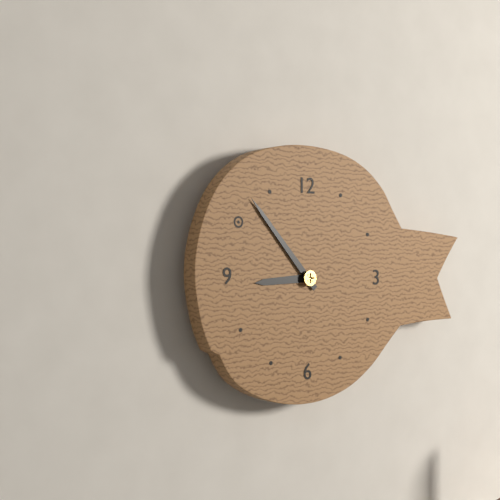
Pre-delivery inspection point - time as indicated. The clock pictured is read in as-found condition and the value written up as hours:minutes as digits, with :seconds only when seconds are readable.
8:53
